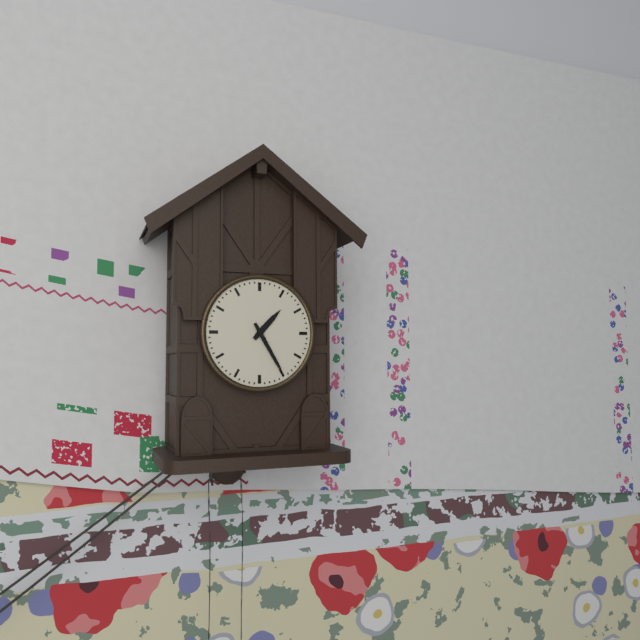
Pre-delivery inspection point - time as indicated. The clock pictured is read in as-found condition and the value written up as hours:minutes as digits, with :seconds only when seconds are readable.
1:25
